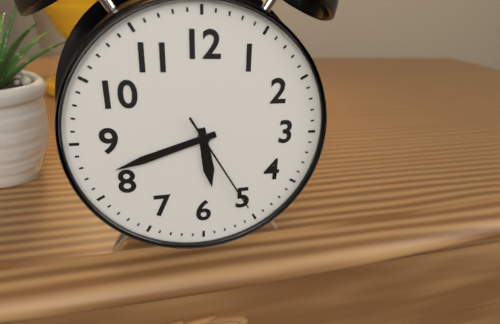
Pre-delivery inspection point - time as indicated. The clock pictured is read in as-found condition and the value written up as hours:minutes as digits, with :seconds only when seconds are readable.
5:42:25
